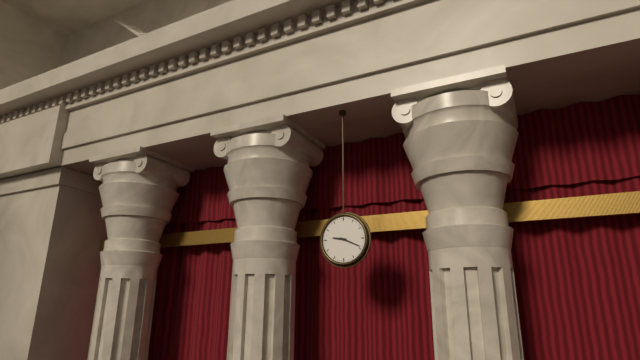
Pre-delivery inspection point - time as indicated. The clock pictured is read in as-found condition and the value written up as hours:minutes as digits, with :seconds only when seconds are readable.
9:19
